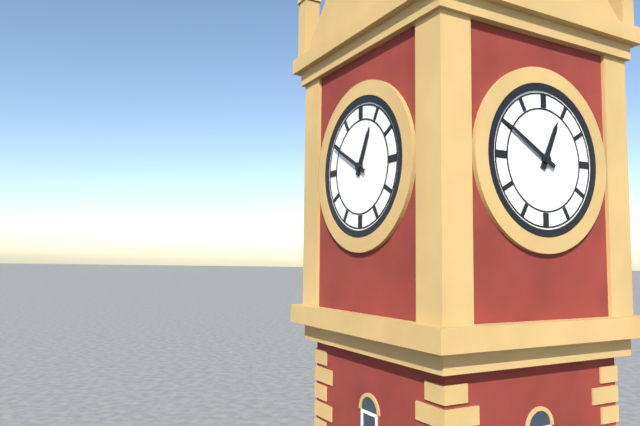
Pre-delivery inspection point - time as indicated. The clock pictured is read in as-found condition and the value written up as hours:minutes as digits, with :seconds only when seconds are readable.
12:50
